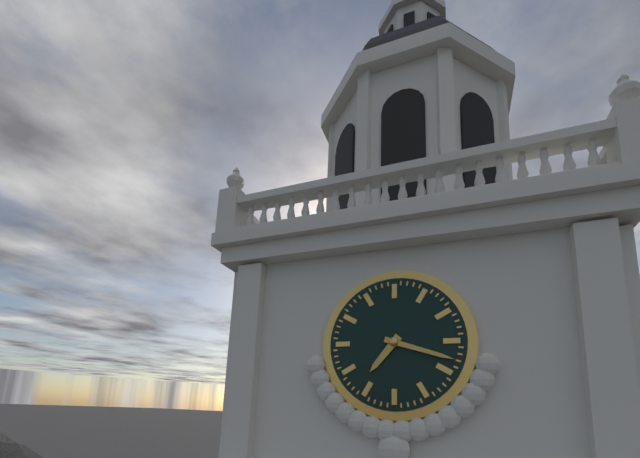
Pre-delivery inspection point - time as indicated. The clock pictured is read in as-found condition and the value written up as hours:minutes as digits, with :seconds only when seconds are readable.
7:18
